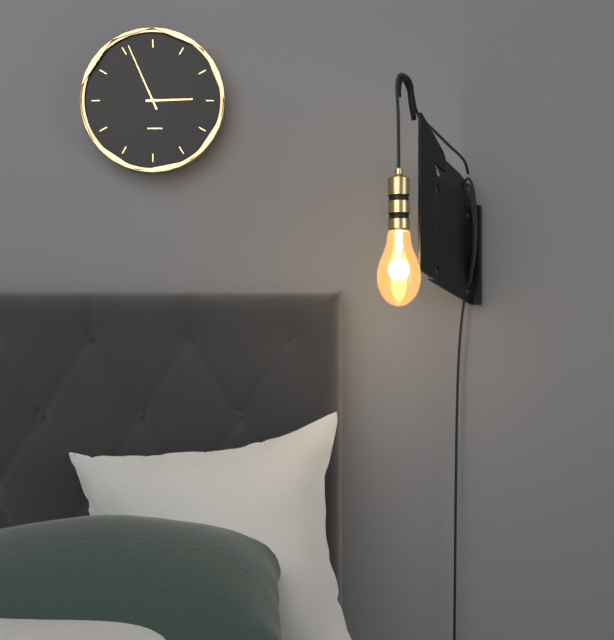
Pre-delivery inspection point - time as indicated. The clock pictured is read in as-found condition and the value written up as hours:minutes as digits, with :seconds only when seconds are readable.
2:56
